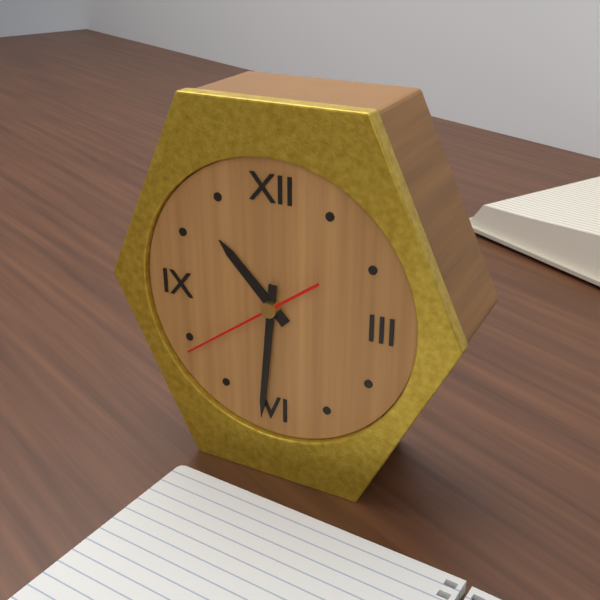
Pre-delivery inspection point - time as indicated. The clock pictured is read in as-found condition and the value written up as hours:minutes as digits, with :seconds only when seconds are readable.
10:31:39
